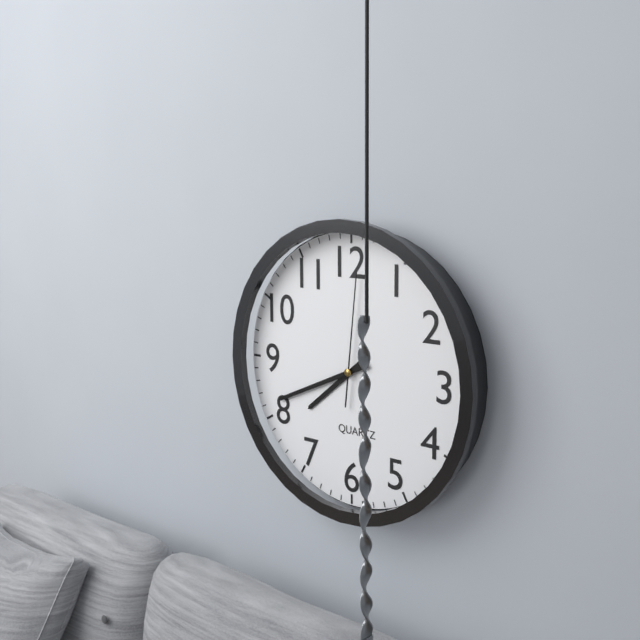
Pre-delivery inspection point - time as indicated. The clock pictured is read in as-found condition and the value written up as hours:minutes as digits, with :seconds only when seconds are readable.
7:41:01
